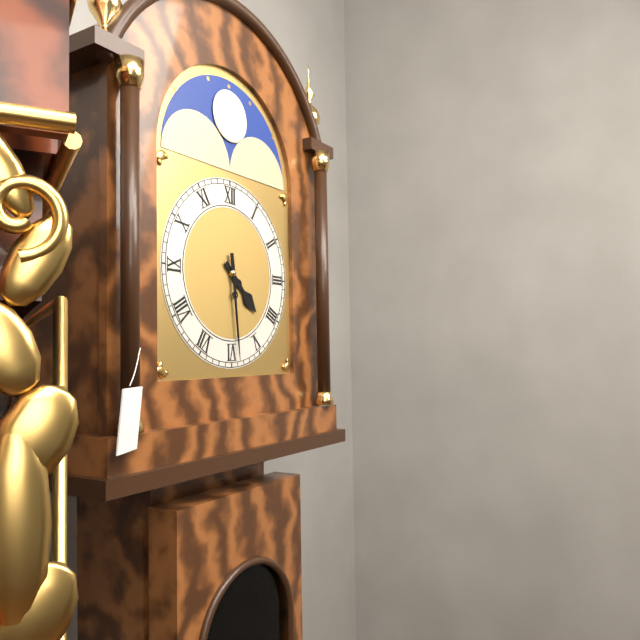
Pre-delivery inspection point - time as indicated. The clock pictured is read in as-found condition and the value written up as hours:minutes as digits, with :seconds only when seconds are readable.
4:29
